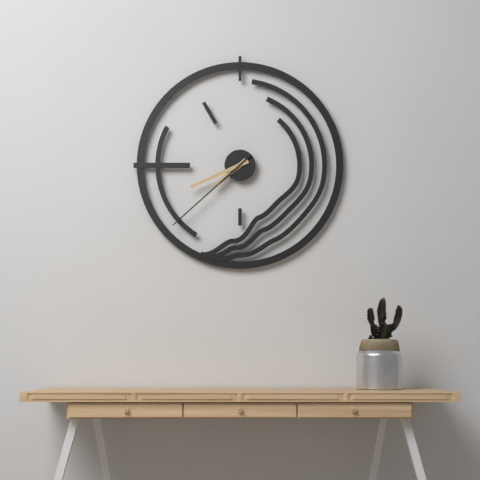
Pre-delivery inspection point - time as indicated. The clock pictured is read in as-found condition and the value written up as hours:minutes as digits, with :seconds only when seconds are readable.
7:41:38
